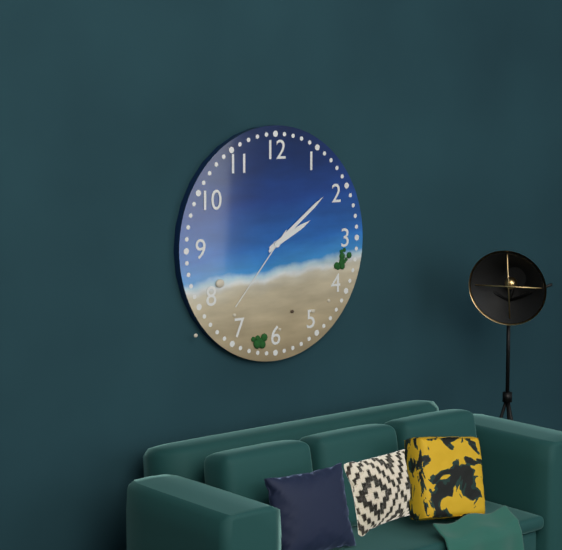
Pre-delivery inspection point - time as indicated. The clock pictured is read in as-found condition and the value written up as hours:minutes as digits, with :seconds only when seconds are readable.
2:09:37
